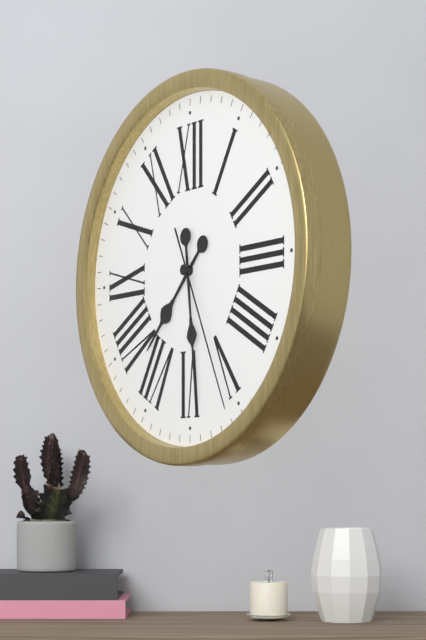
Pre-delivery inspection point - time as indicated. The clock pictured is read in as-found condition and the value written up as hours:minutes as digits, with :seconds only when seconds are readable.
7:29:26
